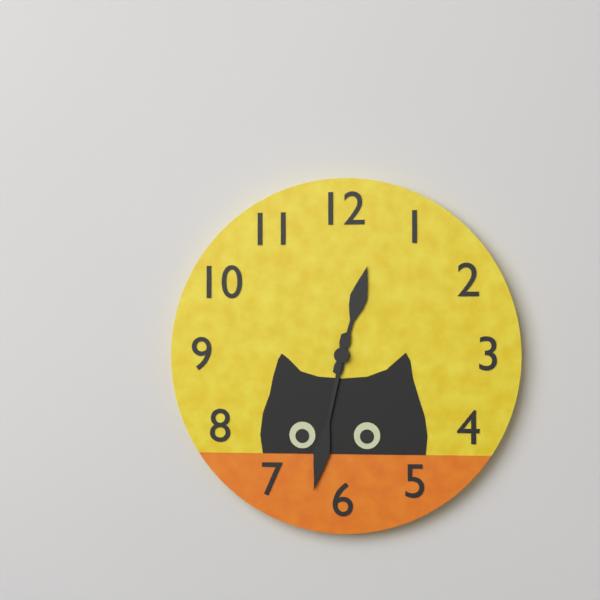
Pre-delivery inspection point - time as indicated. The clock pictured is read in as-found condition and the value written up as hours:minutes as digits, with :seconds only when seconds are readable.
12:32
